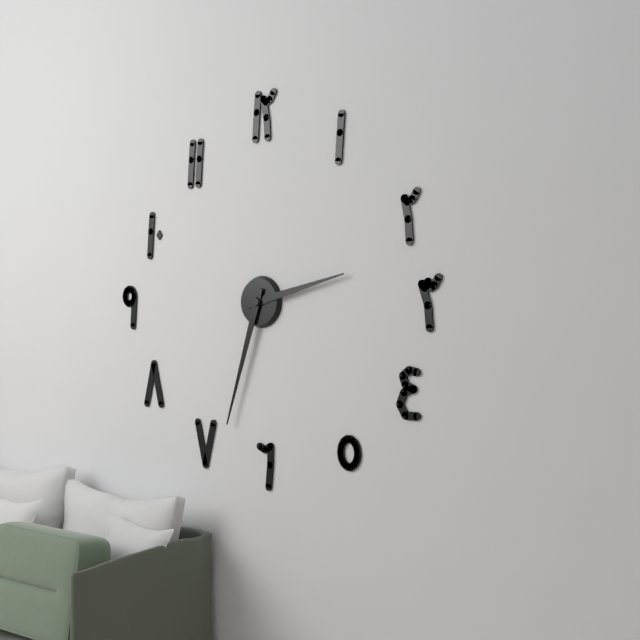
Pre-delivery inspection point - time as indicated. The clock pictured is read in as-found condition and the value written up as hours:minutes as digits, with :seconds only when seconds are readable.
2:33
